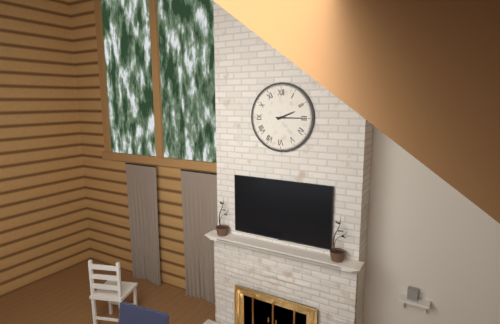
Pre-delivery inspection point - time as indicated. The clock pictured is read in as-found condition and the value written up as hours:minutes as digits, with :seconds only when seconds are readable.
2:15
